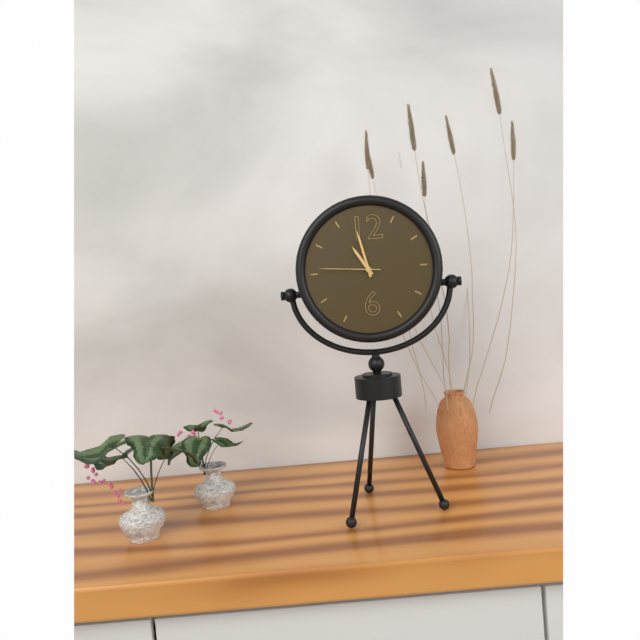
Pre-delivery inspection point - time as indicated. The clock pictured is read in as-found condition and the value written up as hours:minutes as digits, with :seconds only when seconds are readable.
10:58:46
